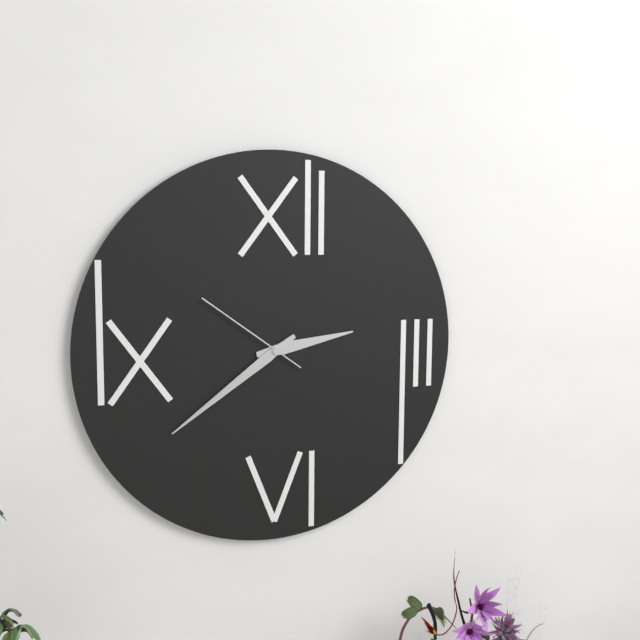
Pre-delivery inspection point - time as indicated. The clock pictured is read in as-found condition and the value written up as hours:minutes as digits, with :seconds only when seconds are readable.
2:39:51
